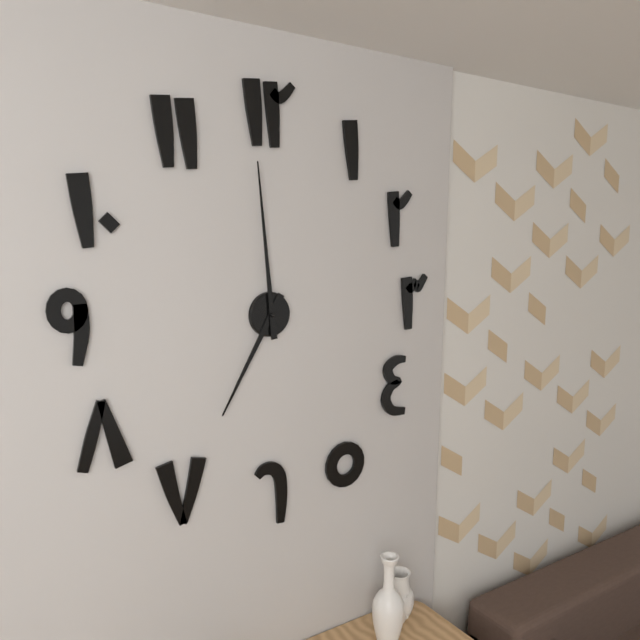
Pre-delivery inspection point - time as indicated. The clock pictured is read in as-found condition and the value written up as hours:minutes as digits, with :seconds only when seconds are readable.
6:59
